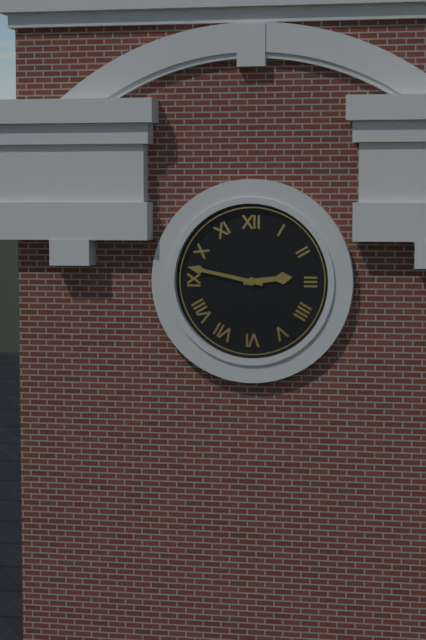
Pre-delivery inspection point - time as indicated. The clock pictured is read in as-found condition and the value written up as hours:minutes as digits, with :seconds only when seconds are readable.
2:47
